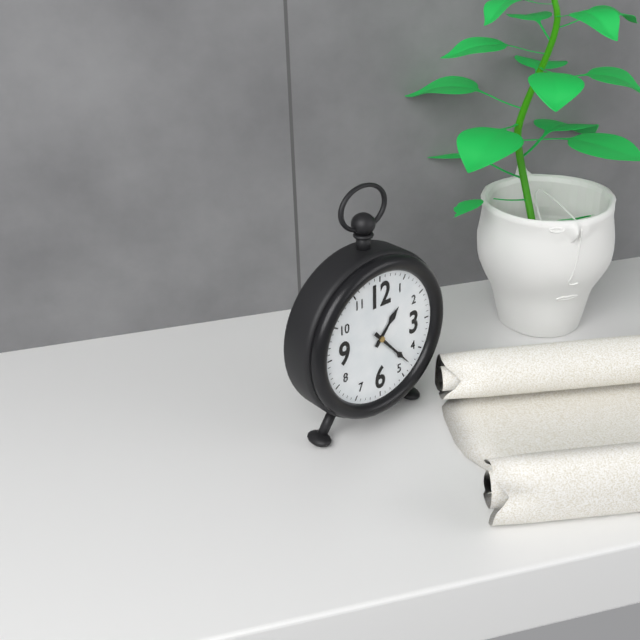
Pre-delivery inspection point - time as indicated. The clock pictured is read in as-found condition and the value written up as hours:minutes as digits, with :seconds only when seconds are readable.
1:23
